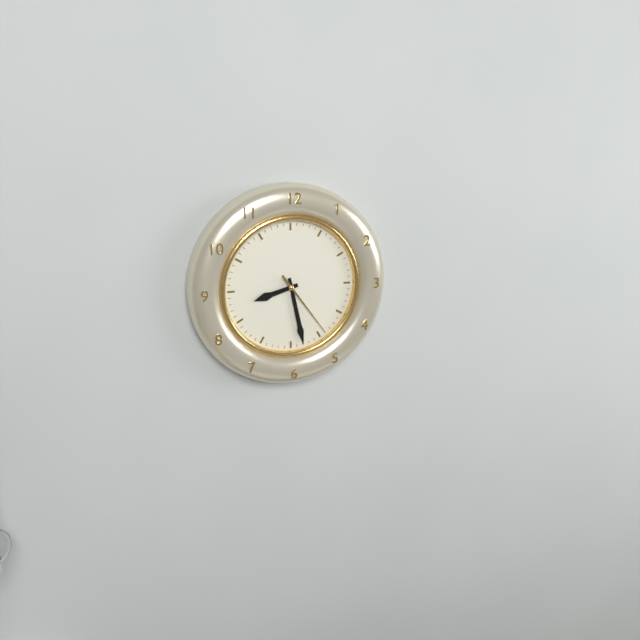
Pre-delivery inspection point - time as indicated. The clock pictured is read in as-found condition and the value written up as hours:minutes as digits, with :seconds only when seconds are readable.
8:28:24
